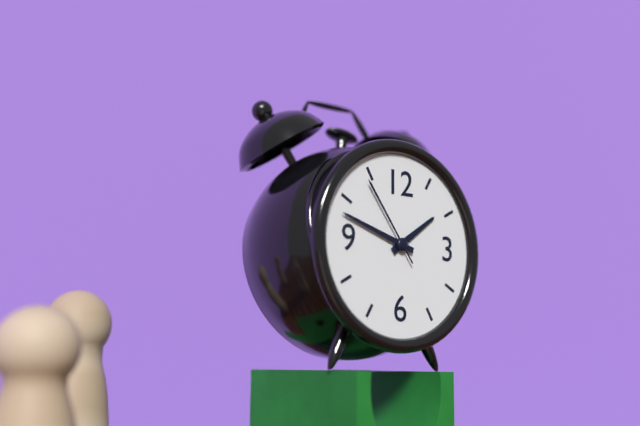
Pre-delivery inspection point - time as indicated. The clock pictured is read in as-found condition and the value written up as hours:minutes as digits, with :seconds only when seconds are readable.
1:48:54
